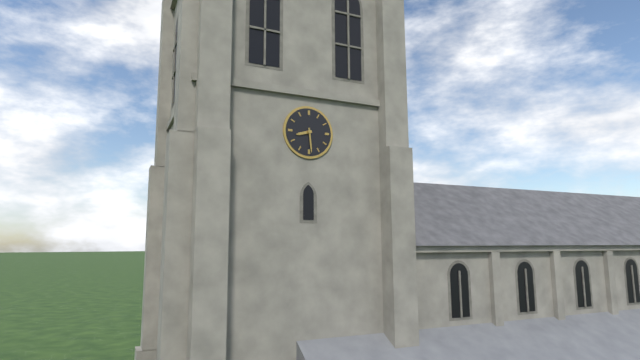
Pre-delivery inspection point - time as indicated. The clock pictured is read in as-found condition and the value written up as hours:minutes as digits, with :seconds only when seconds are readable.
8:29
